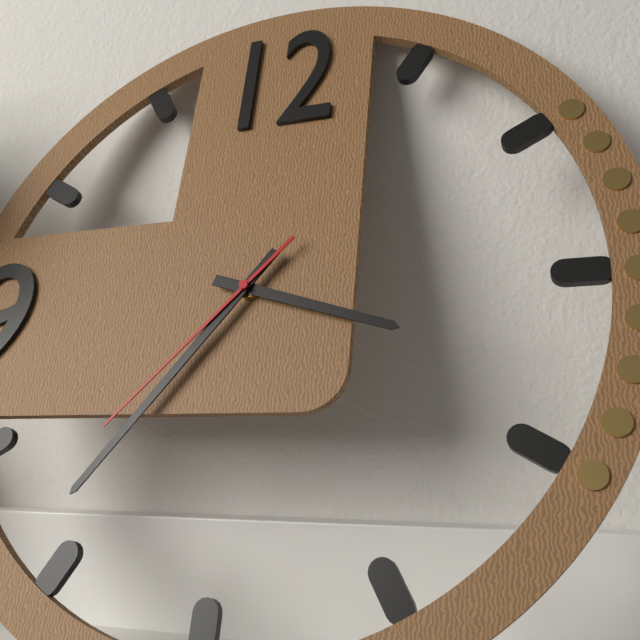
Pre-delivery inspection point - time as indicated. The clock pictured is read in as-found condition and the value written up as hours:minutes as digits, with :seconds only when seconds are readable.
3:36:37
